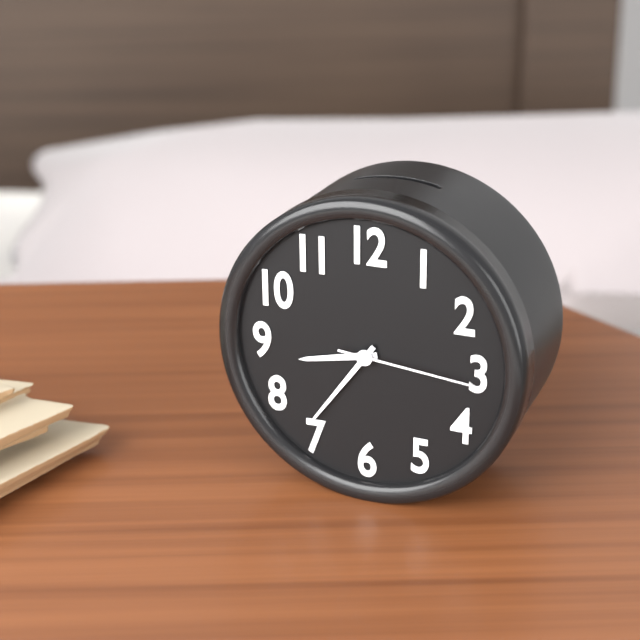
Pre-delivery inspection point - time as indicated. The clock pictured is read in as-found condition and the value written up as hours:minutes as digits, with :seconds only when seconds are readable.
8:36:16
